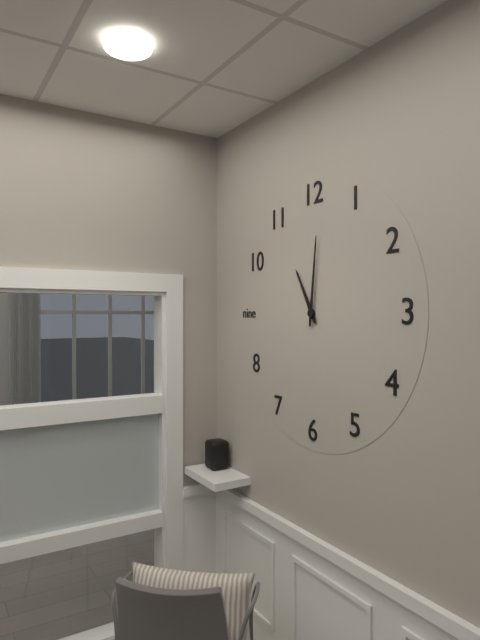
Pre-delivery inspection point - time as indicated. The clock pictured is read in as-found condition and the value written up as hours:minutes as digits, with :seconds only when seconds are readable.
11:01
